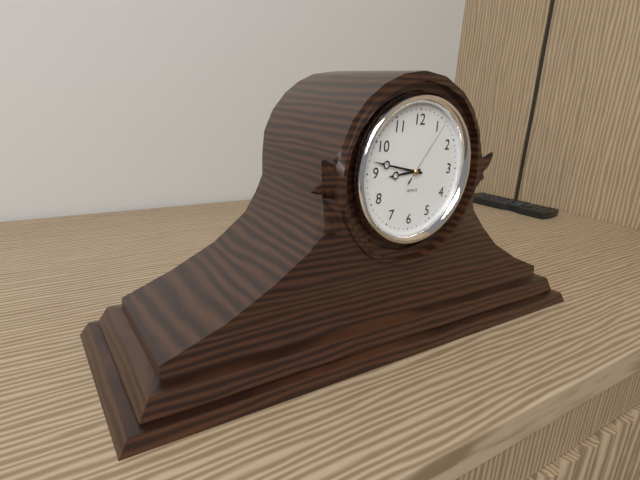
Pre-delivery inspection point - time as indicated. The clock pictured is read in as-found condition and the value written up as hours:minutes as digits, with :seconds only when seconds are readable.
8:47:06
